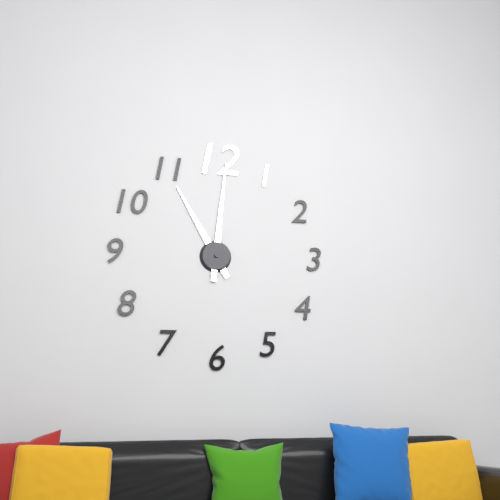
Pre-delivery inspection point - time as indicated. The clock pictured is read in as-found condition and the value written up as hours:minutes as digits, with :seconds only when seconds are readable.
11:01
